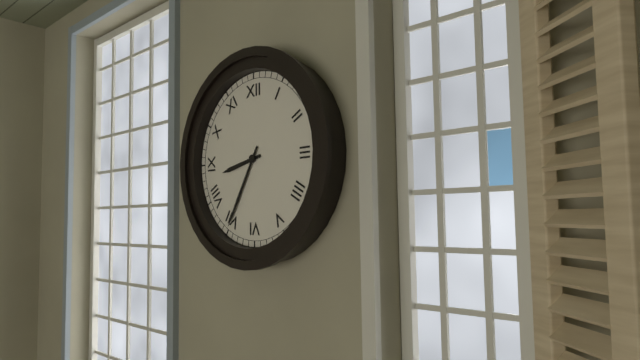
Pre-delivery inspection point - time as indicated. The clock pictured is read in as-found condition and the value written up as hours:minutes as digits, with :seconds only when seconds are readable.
8:35
